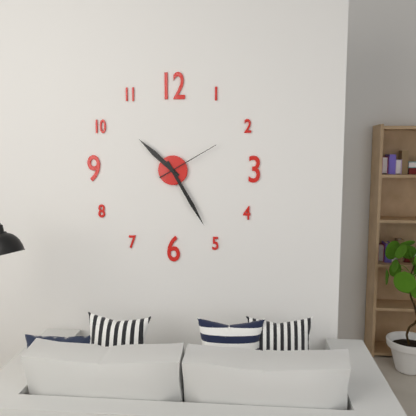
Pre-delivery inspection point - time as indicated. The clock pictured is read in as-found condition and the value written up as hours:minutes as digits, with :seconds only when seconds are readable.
10:25:10
